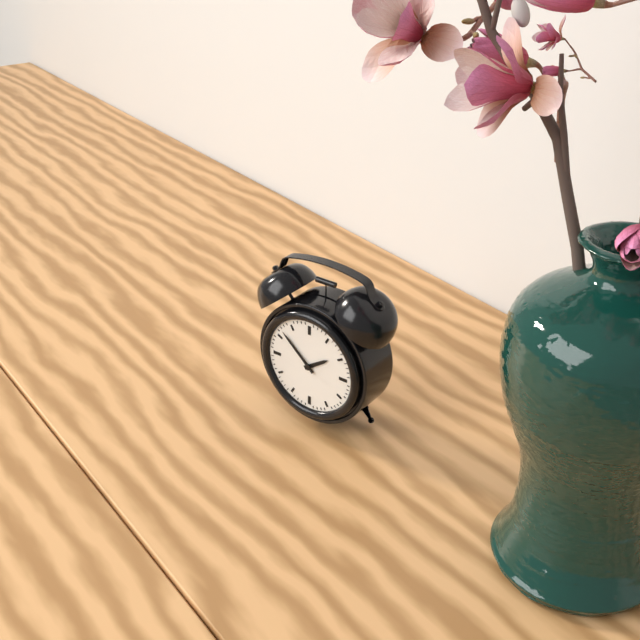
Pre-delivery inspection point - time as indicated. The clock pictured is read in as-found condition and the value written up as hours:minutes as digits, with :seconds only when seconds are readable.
1:52
